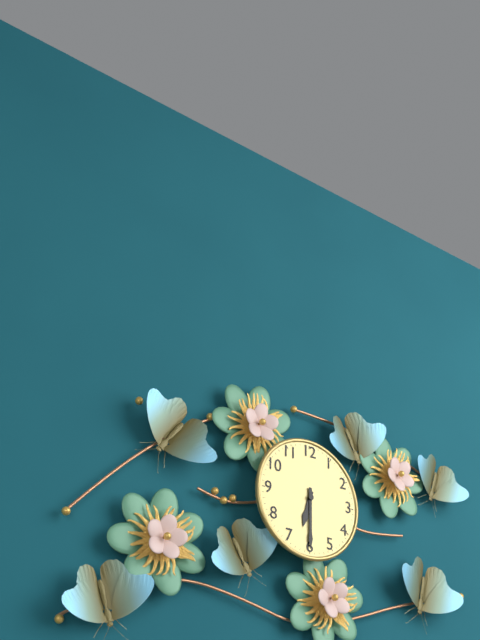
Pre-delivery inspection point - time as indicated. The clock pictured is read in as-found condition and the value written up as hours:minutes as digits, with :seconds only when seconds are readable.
6:30
